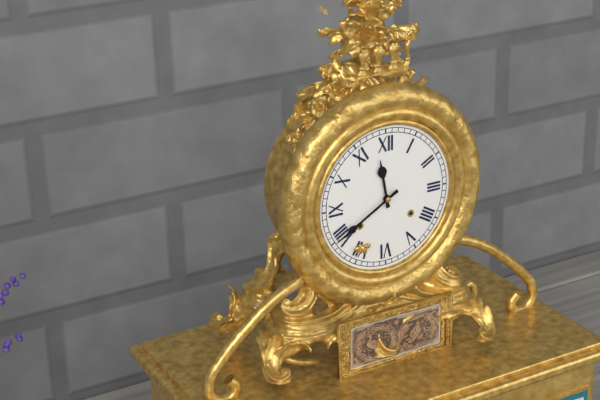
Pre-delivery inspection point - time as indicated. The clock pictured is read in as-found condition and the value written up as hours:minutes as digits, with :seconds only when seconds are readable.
11:40
